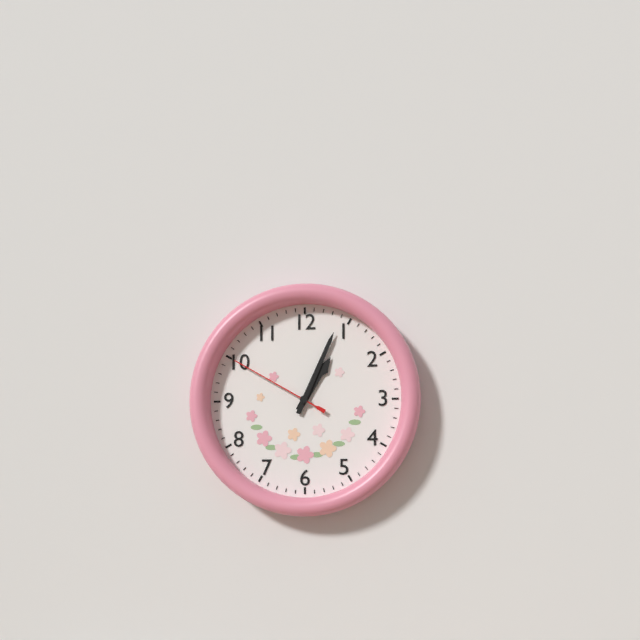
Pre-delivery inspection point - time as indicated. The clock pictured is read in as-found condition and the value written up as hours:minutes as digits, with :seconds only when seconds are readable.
1:04:50
